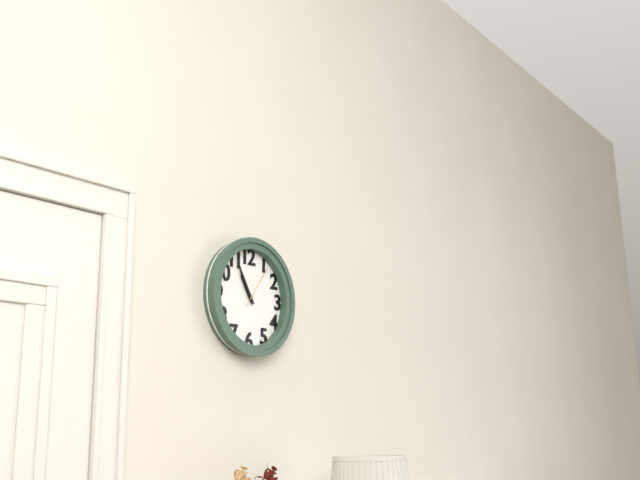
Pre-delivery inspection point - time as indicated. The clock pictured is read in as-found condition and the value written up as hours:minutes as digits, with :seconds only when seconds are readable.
10:55
